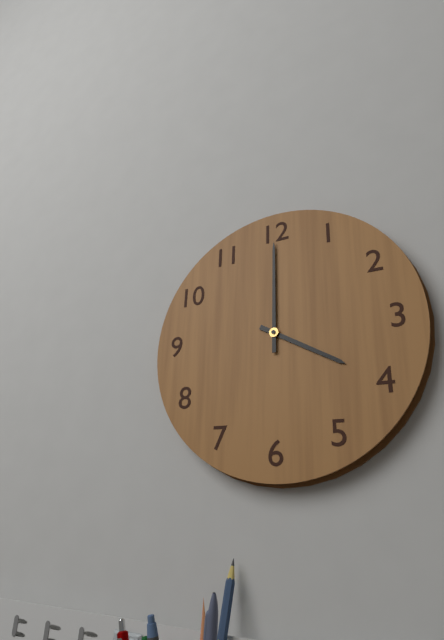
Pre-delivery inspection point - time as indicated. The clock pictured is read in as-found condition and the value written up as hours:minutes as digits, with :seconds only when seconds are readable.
4:00
